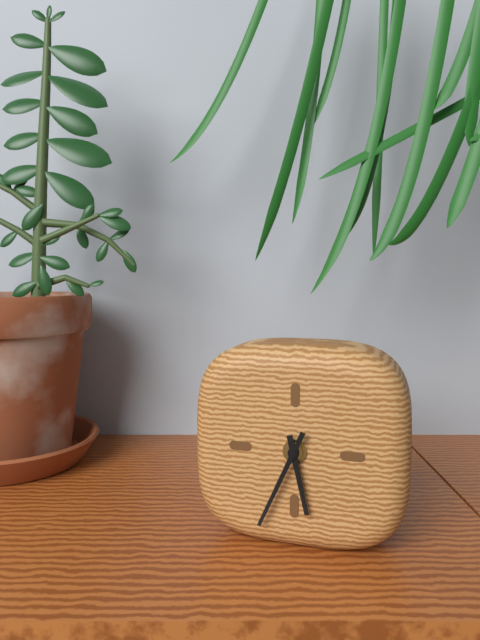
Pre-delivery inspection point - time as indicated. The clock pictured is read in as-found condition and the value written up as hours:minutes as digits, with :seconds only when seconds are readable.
5:34
